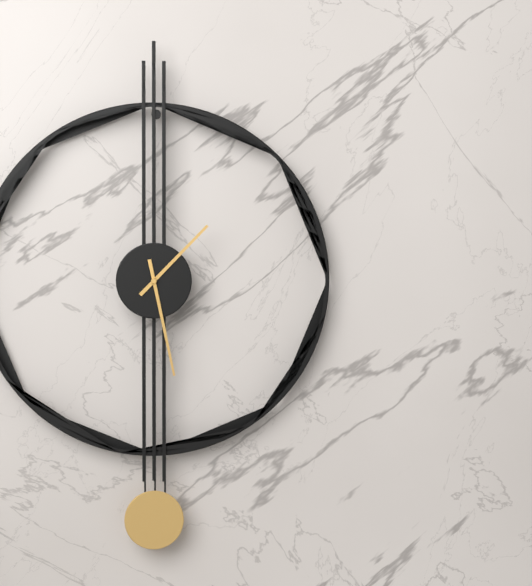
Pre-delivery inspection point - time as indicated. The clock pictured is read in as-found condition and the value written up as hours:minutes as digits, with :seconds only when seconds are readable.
1:28
